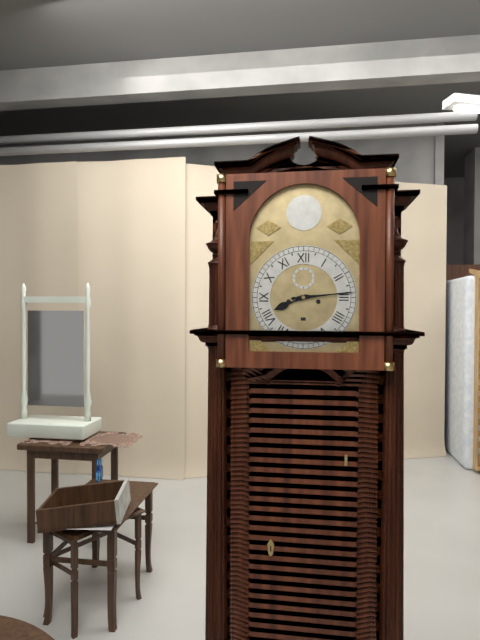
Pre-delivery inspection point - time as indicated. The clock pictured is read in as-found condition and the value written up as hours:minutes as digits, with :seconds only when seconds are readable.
8:14
